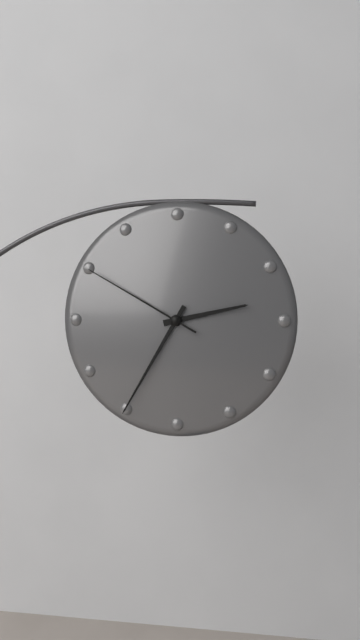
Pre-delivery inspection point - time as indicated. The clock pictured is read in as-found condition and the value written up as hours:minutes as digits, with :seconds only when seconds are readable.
2:35:50
